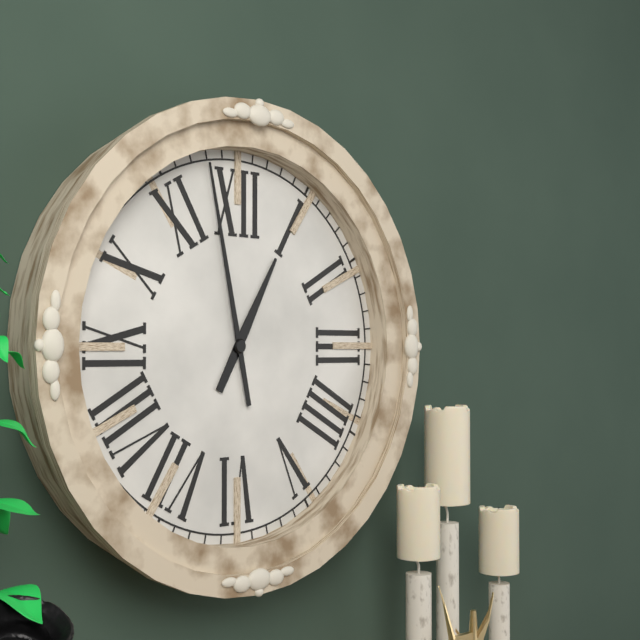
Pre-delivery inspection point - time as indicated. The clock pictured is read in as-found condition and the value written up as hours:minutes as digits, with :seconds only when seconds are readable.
12:58
